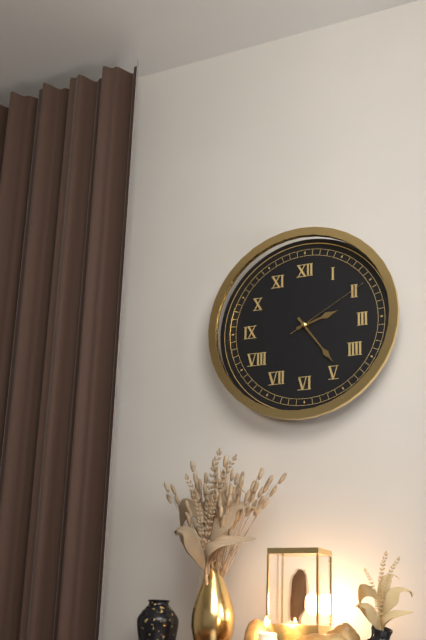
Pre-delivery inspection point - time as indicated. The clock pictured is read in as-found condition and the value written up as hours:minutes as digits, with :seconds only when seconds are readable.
2:24:10
